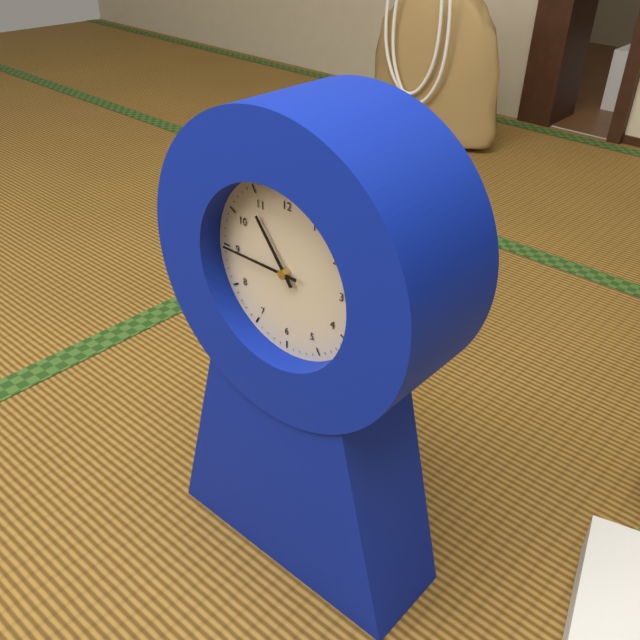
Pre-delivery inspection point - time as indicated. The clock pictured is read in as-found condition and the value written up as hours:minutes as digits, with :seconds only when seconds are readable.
10:45
